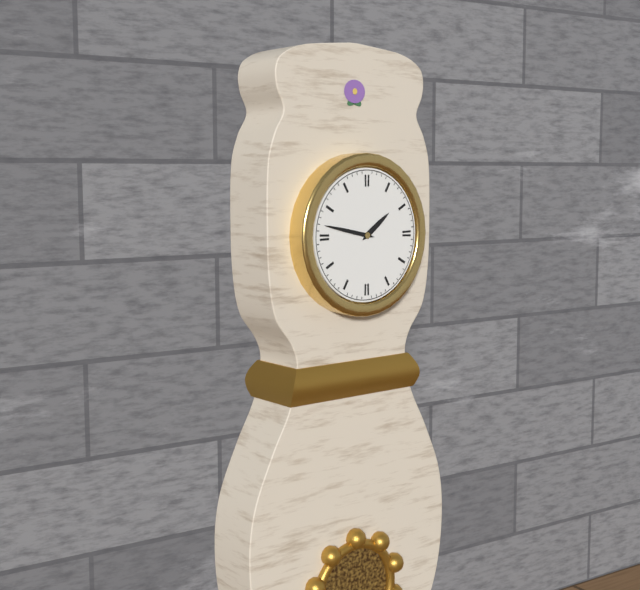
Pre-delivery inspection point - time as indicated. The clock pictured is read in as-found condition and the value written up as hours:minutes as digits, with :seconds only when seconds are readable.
1:47
